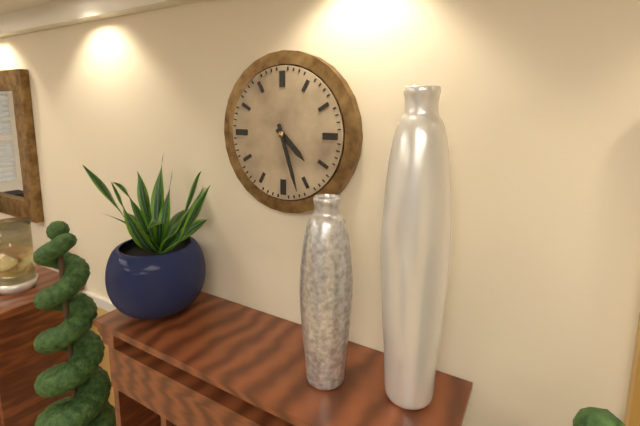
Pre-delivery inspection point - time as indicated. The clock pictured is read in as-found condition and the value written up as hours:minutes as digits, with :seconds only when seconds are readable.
4:27
